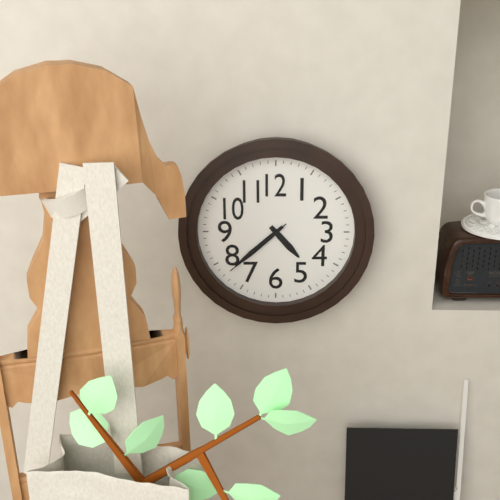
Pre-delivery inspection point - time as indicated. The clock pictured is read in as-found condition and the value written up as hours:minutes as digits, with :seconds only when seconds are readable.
4:38:38
